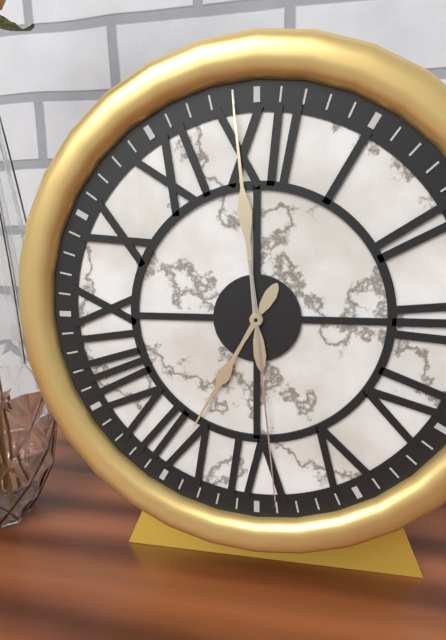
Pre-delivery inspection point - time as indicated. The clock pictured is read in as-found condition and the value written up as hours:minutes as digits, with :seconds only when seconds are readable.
6:59:29
